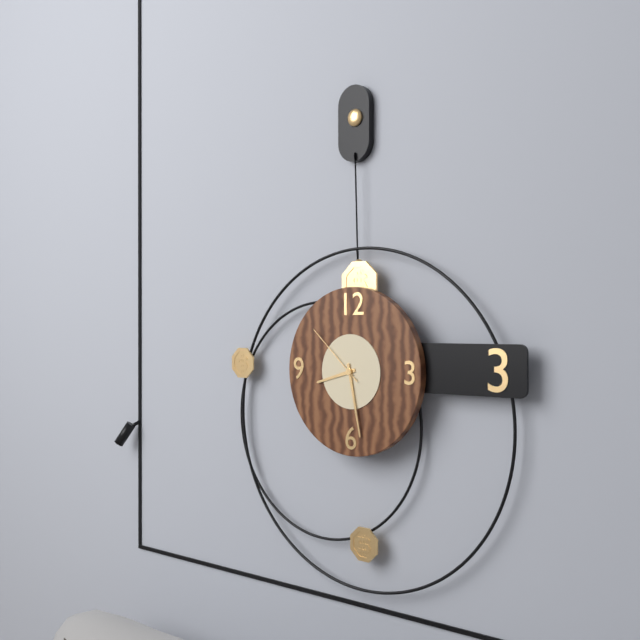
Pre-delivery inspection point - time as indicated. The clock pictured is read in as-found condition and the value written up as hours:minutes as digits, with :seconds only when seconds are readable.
8:28:52
